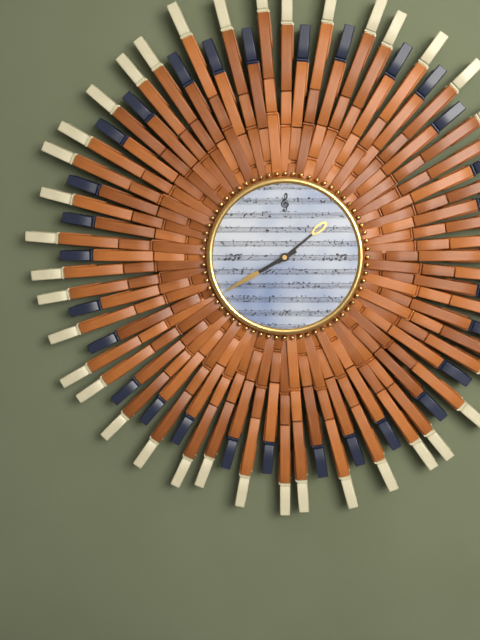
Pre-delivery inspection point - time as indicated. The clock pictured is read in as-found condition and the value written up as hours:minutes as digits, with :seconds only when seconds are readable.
1:40
